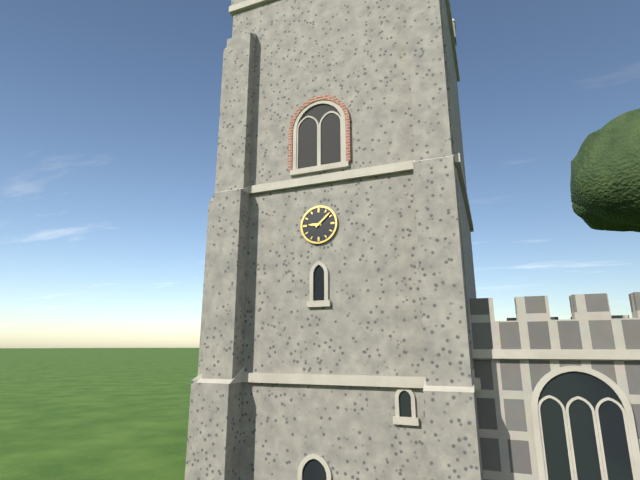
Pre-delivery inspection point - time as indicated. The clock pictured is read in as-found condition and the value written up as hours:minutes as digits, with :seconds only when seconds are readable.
9:08
